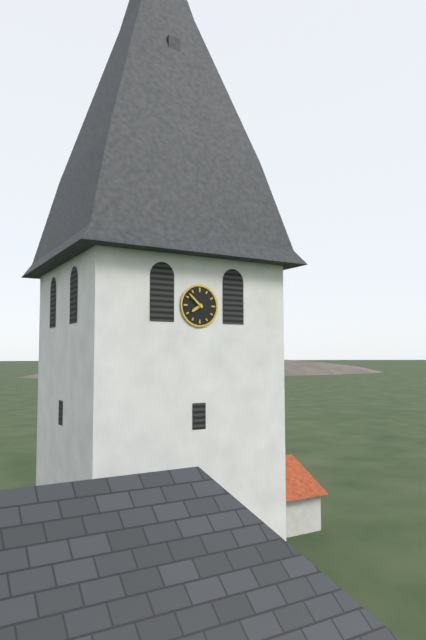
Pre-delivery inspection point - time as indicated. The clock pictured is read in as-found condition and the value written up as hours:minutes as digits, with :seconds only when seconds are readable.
7:52
